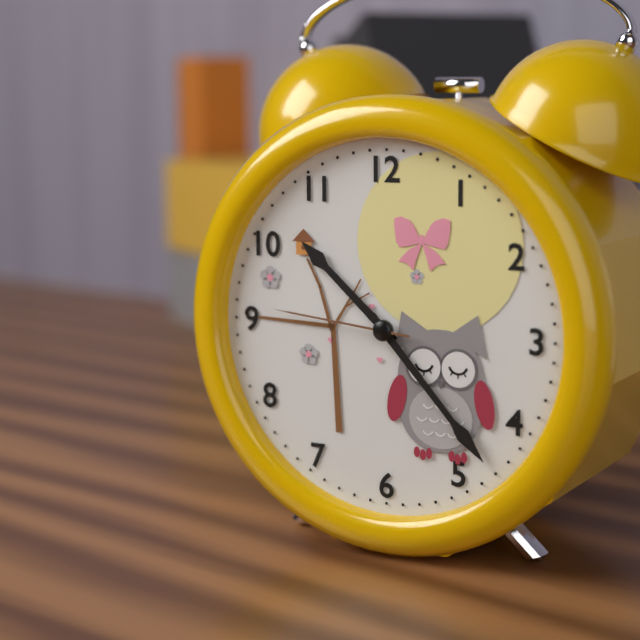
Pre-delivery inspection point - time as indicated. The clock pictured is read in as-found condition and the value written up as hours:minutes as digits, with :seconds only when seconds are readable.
10:23:46
